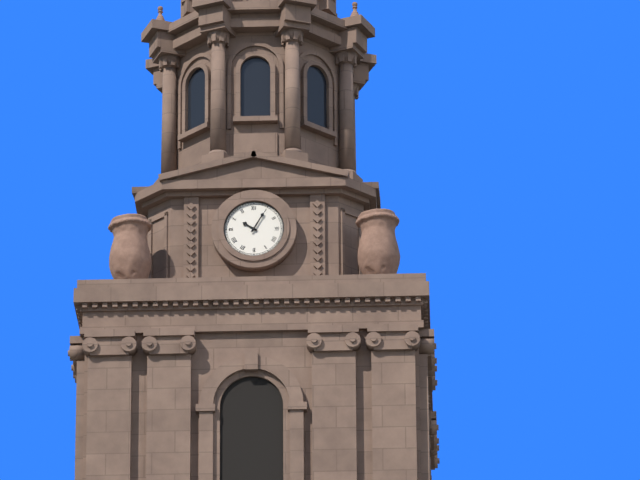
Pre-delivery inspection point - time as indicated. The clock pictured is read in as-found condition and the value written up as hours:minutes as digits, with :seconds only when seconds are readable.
10:05
